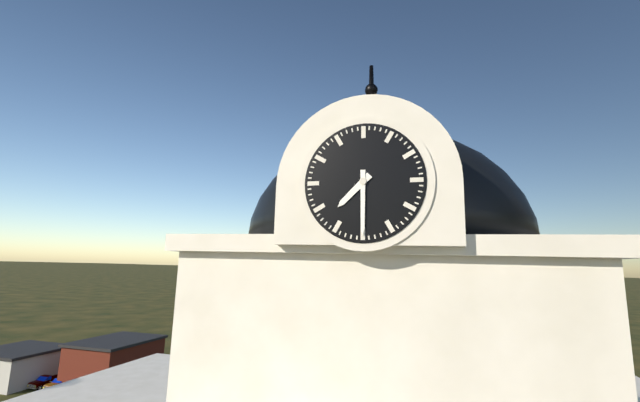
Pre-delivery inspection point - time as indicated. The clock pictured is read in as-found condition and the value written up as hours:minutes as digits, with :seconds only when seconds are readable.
7:30
